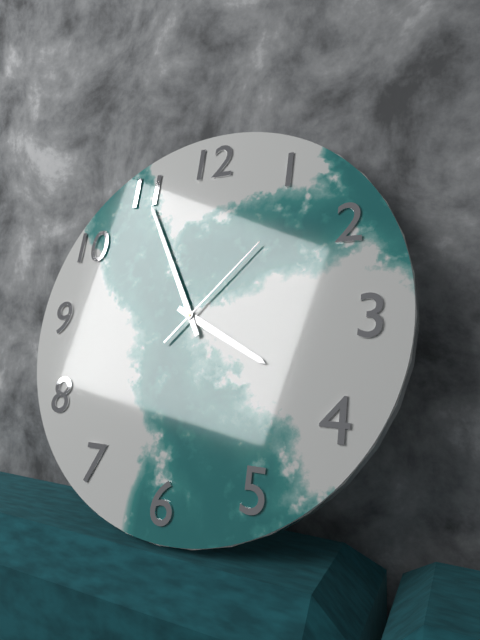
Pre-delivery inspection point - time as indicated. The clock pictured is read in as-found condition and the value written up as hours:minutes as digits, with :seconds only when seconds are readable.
3:55:07
